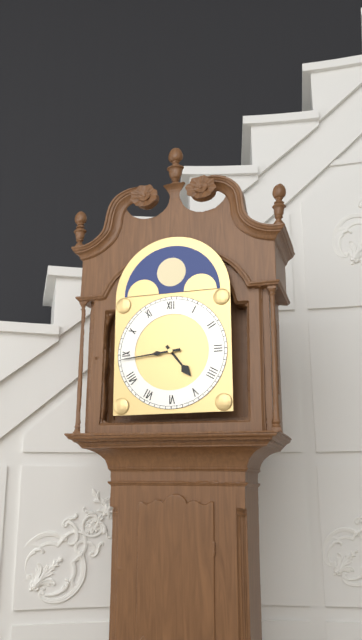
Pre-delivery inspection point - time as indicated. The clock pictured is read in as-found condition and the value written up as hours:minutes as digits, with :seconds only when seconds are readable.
4:44
